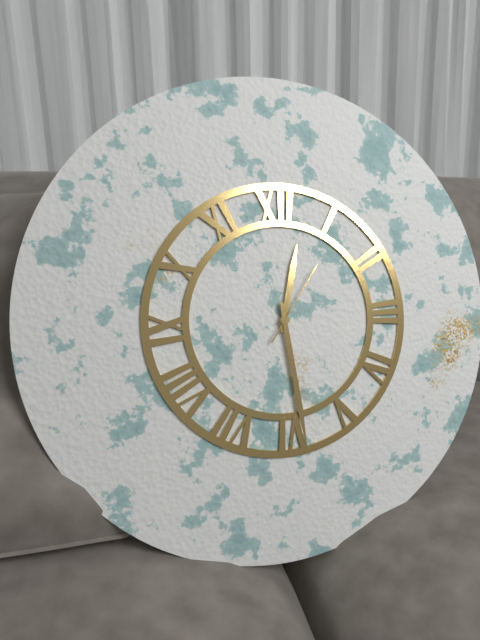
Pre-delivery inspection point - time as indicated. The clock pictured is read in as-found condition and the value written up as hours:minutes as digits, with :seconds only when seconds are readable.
12:29:06
